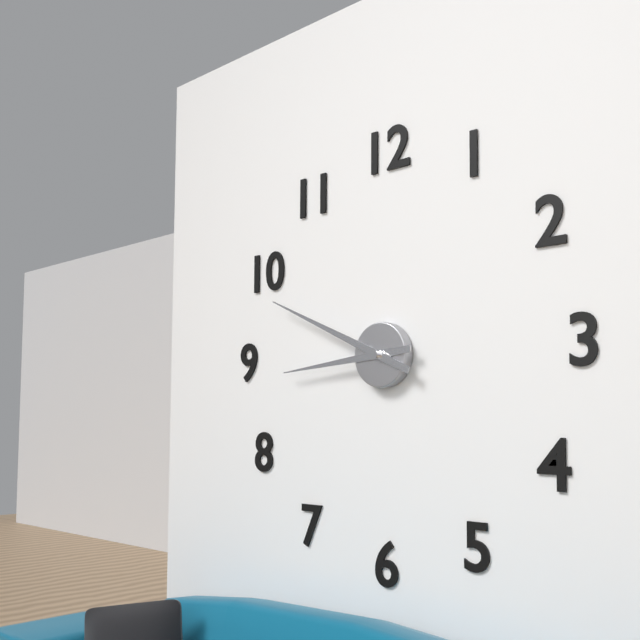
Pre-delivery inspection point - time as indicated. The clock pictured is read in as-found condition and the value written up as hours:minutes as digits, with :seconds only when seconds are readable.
8:49
